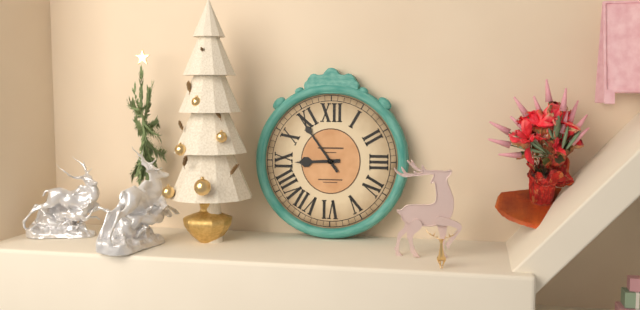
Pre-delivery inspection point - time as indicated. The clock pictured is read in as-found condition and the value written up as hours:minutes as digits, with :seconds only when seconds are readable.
8:54
